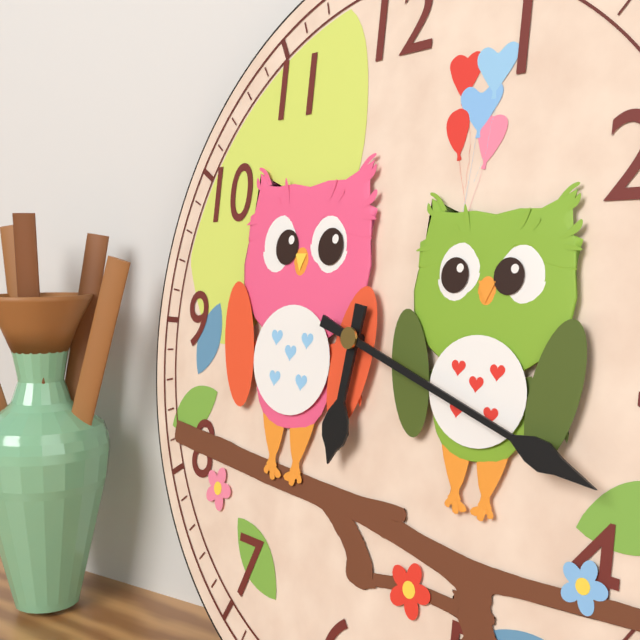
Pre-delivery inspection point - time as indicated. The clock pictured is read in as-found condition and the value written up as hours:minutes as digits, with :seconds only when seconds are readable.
6:18
